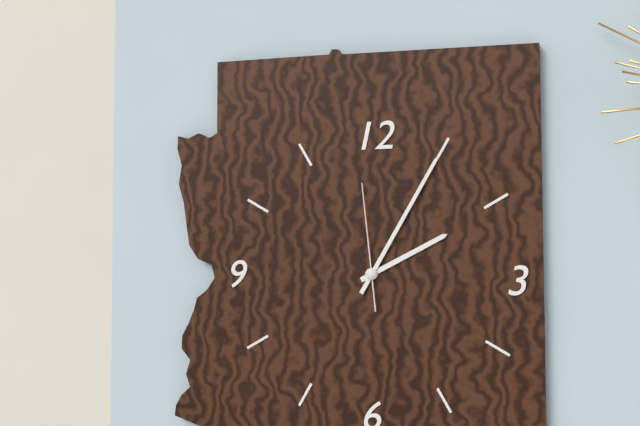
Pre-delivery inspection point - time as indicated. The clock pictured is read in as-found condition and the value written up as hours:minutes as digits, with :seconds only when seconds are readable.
2:05:59
